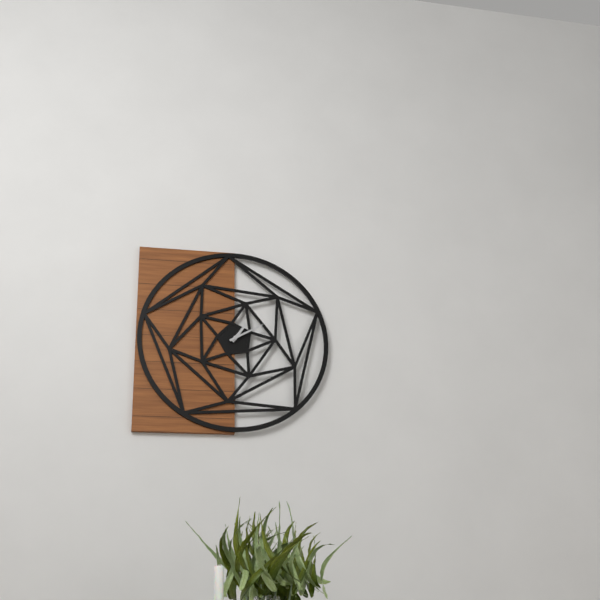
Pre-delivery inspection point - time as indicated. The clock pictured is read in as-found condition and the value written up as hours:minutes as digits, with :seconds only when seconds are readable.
1:10
